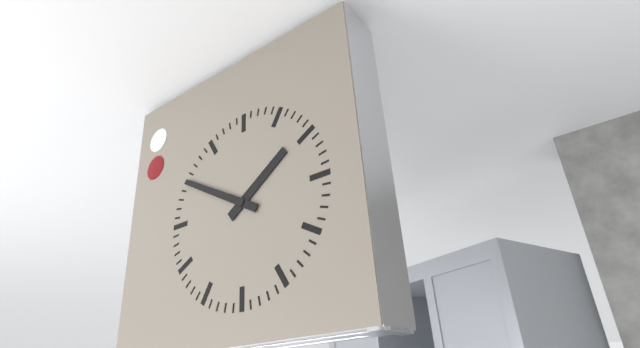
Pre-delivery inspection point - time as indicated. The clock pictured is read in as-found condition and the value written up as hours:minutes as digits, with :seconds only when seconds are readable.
1:50
